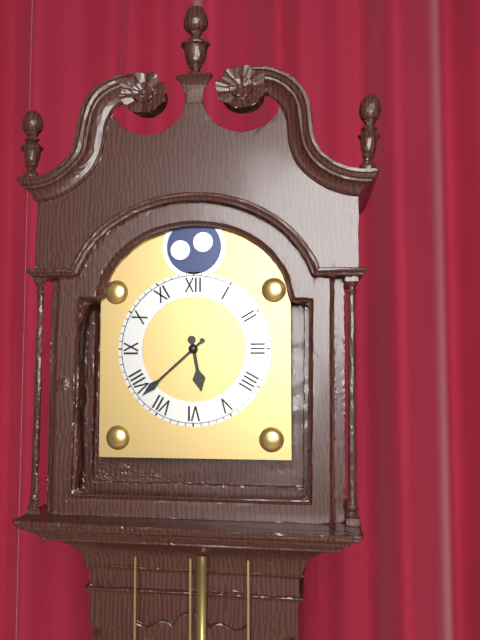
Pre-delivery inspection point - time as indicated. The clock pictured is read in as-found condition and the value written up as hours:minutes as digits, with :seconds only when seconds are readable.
5:38
